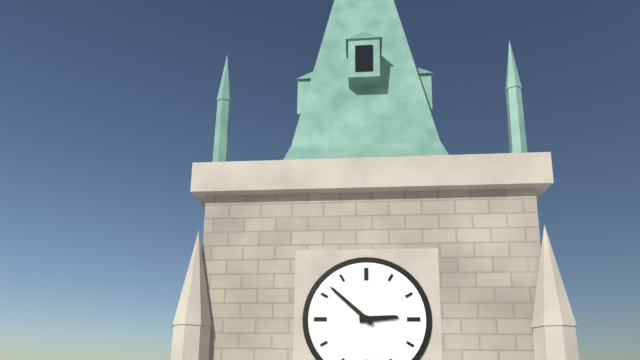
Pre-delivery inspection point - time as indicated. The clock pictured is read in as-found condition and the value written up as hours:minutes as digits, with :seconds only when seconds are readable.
2:52
